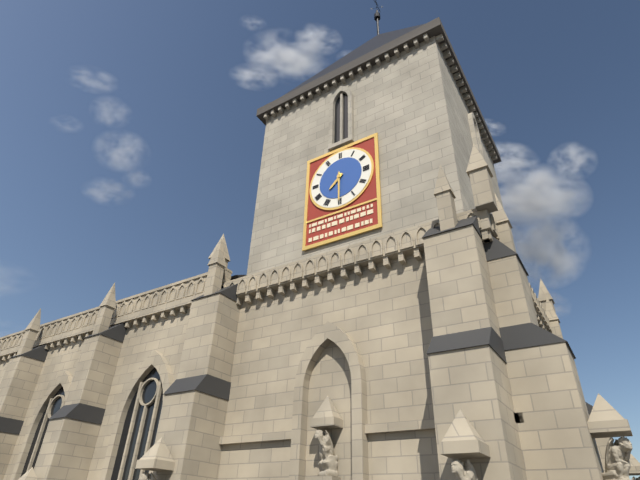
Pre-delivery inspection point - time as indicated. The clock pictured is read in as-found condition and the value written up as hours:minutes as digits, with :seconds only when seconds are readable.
7:30
